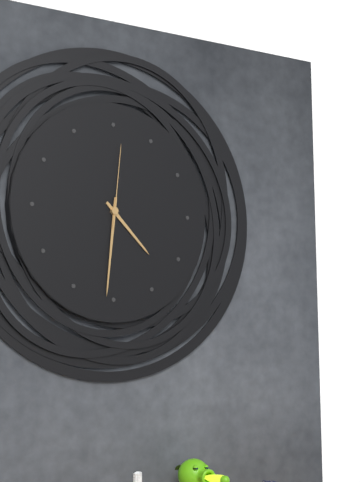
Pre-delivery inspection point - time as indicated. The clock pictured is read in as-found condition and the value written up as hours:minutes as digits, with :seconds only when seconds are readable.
4:31:01
